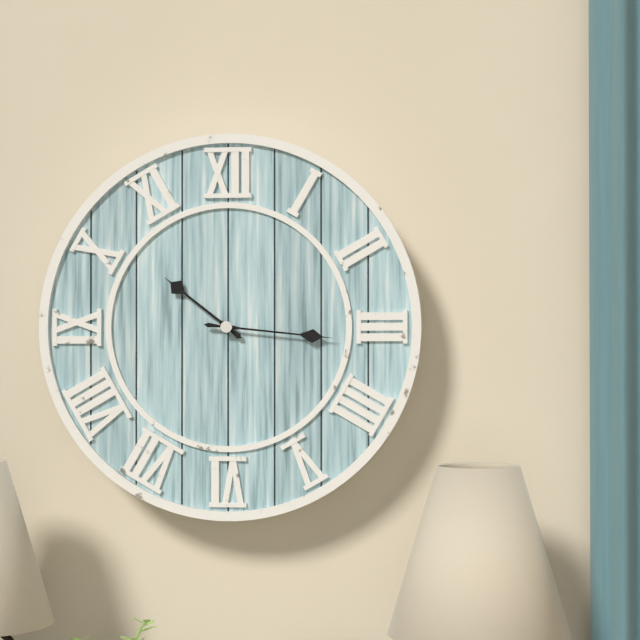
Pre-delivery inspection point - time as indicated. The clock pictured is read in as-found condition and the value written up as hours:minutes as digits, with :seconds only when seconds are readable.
10:16
